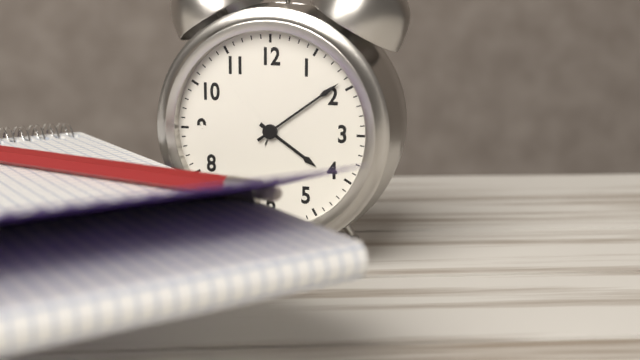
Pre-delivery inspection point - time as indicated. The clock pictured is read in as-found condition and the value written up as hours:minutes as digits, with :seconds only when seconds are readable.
4:09
